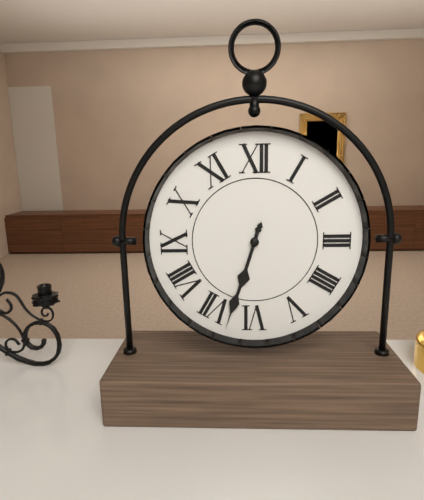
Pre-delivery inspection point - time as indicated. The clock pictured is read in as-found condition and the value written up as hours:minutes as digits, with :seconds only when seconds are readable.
6:33
